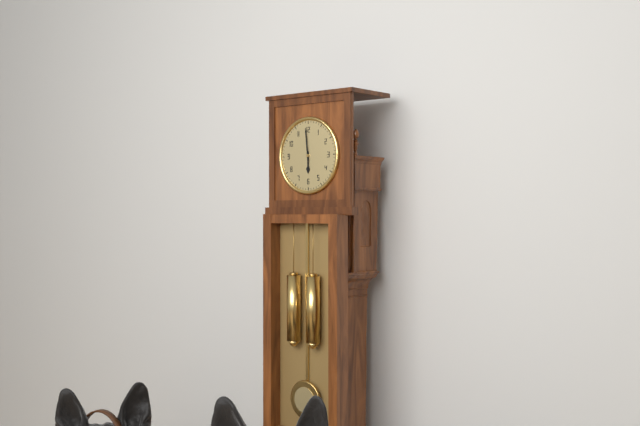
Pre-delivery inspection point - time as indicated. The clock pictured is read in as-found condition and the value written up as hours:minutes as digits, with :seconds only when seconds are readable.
5:59
